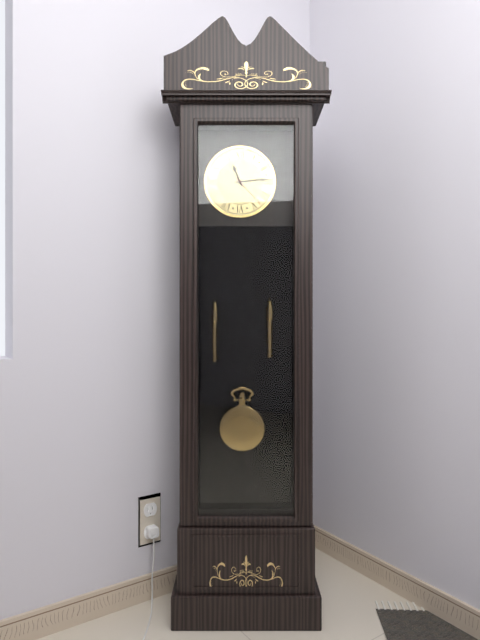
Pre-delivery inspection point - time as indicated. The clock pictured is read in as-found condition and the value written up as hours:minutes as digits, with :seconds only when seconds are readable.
11:14
